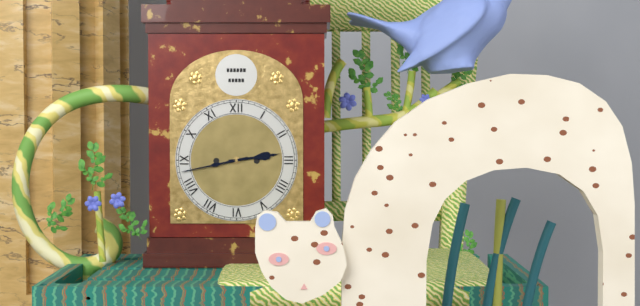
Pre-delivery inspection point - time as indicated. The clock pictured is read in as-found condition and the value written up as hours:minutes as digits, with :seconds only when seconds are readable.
2:43
